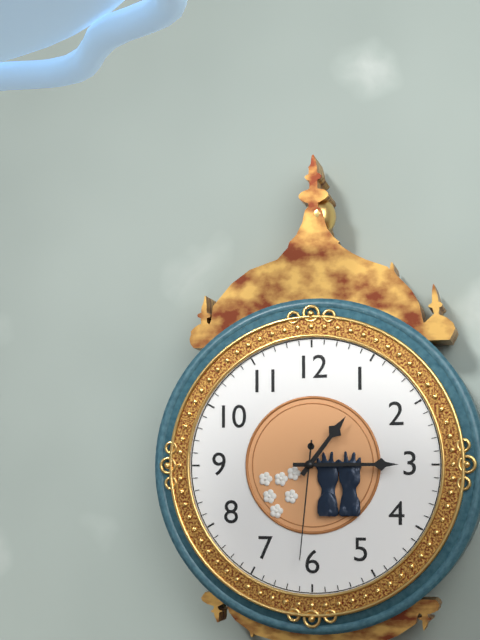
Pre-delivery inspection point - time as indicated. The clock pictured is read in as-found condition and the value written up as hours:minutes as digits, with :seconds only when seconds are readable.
1:15:31
